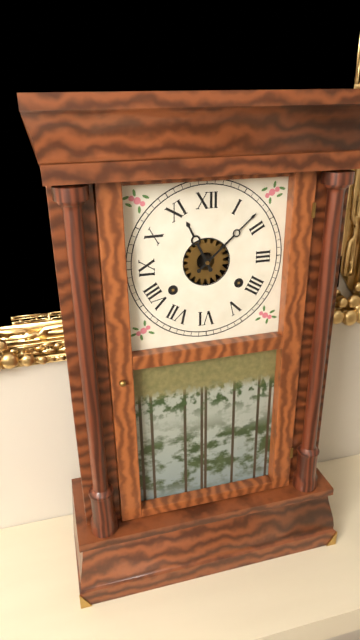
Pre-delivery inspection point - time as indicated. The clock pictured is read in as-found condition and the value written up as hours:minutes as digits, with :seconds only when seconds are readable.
11:08
